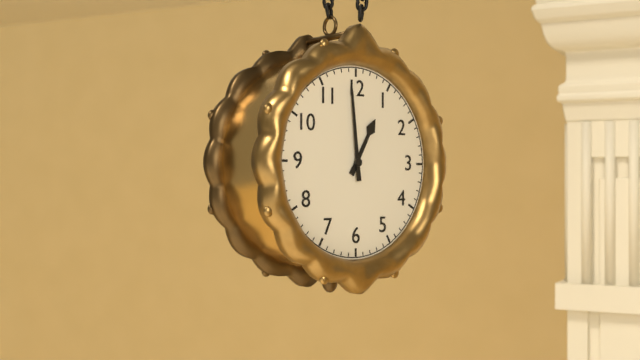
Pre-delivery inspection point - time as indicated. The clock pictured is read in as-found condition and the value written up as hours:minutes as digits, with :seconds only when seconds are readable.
12:59
